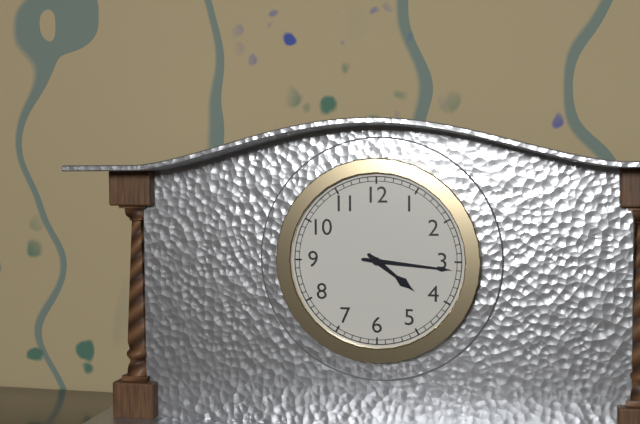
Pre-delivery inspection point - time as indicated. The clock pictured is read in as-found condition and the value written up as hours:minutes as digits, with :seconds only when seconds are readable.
4:16
